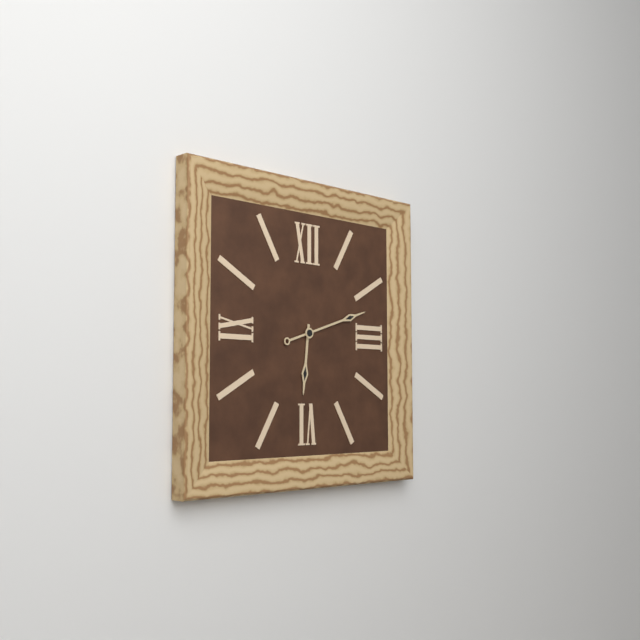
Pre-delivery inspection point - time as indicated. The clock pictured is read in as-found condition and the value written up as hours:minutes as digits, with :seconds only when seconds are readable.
6:12
